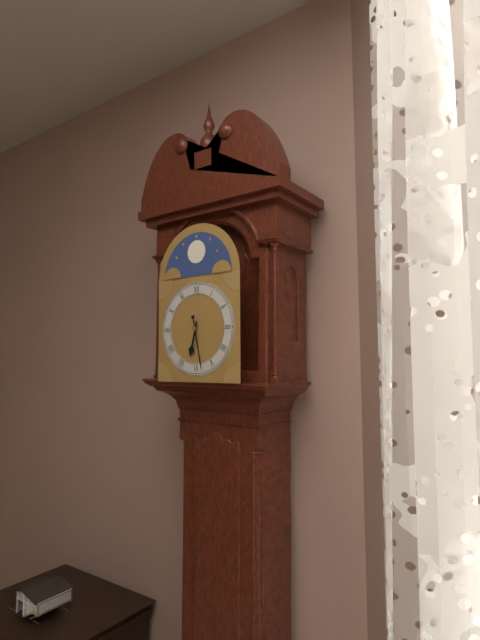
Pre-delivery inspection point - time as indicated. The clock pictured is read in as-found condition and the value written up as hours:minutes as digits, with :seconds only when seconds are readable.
6:28
